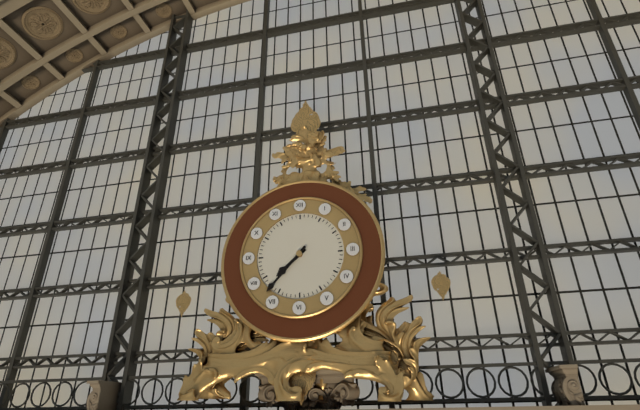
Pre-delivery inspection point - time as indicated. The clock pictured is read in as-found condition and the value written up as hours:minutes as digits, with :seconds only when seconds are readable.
7:37
